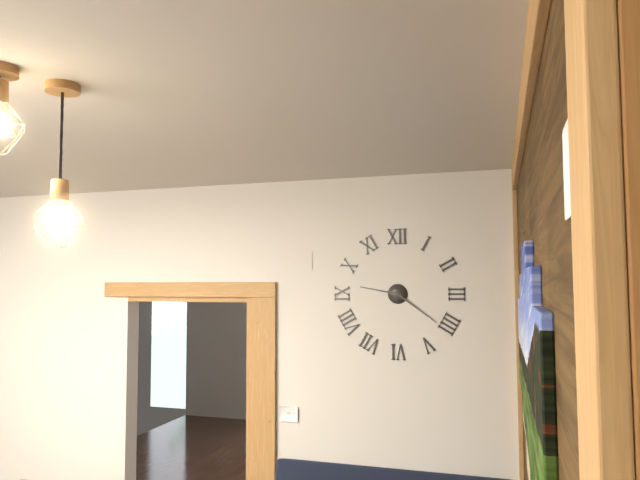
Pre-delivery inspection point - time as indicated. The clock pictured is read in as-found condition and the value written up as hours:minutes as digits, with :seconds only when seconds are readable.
9:21
